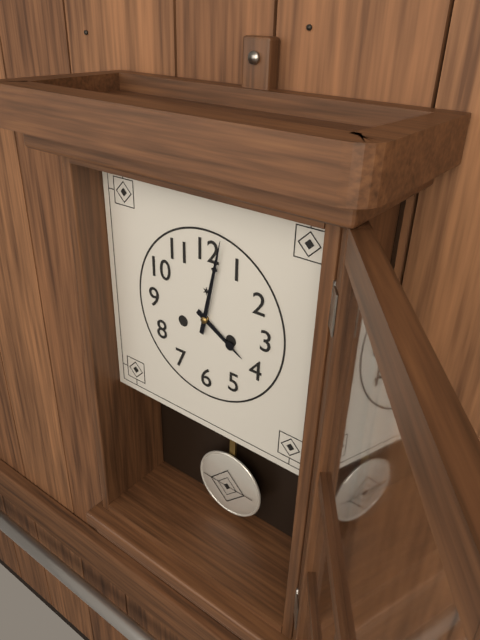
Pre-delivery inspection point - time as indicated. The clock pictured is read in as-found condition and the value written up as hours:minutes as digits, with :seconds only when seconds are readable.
4:02
